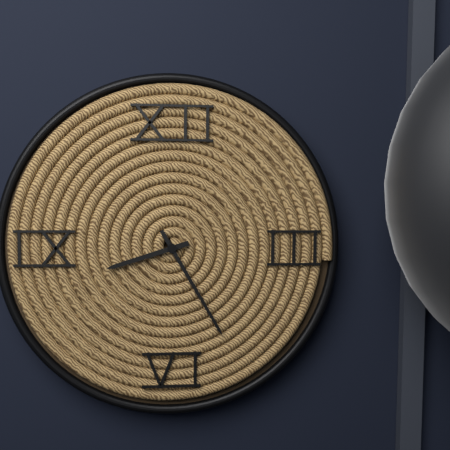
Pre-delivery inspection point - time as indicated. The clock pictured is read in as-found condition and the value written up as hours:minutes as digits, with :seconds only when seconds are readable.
8:25
